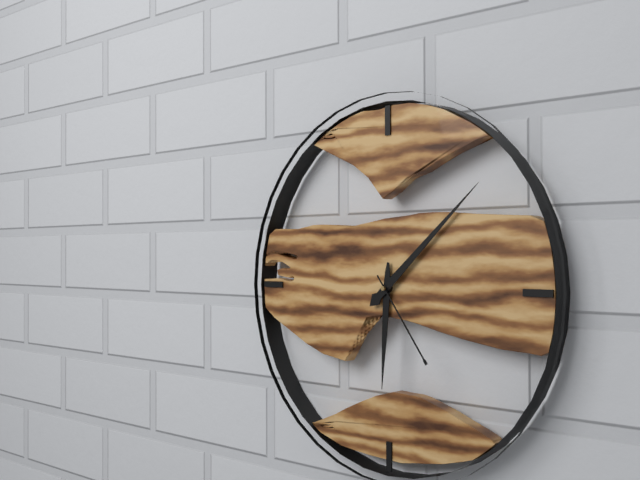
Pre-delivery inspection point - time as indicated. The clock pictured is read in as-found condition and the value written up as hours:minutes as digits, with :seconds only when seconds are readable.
6:08:24
